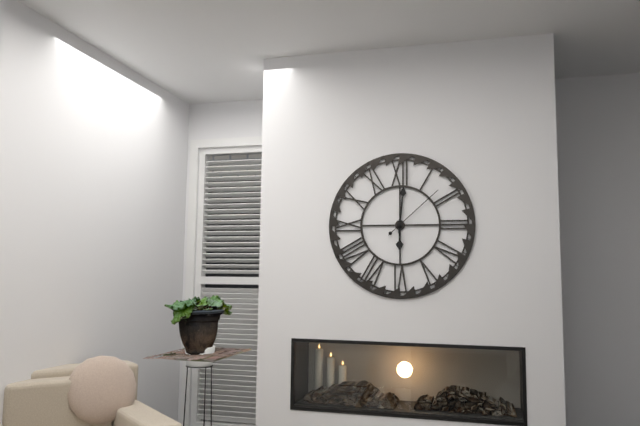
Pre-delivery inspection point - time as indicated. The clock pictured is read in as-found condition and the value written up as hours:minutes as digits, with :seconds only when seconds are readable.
6:01:08
